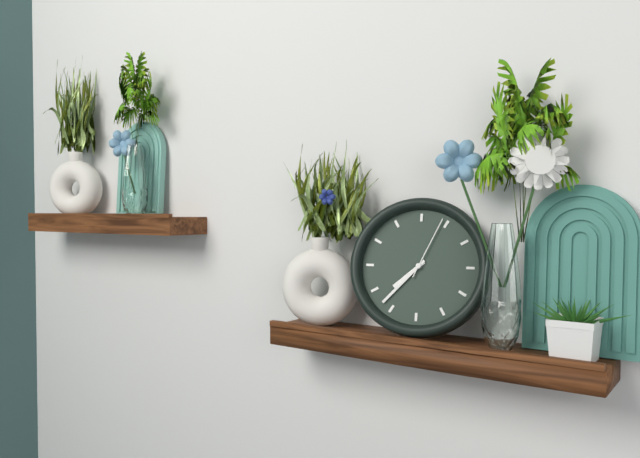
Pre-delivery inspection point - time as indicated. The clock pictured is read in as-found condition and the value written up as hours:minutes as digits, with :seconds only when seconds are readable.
7:37:04
